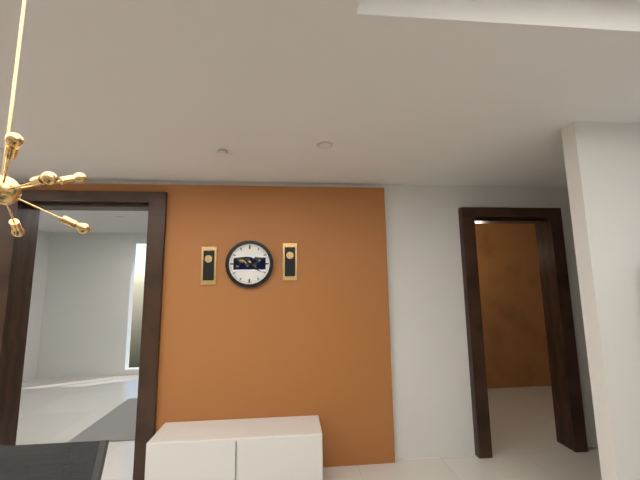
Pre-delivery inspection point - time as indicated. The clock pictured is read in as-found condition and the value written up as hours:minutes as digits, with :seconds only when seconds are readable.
10:21
